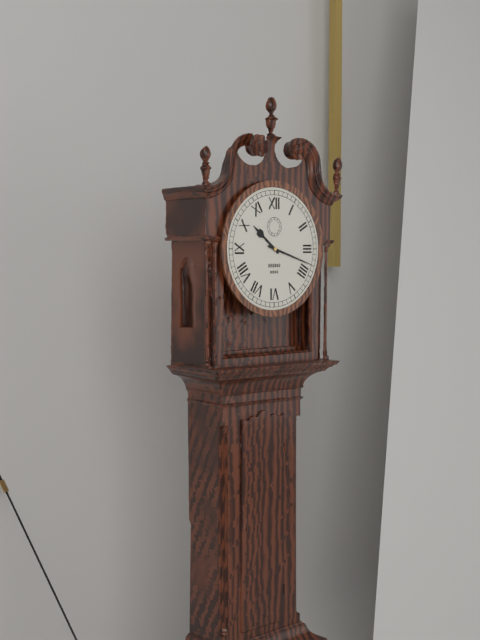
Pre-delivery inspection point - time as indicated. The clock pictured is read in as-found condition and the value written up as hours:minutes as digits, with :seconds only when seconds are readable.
10:18
